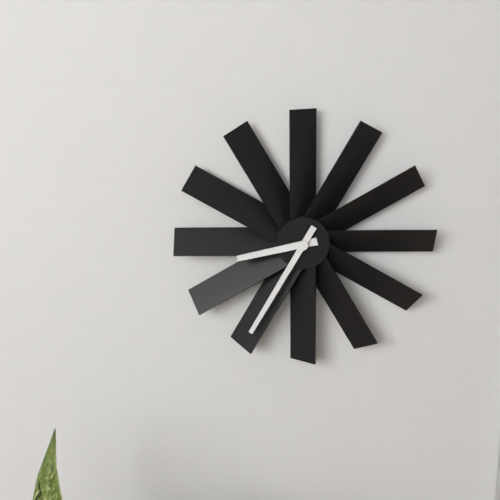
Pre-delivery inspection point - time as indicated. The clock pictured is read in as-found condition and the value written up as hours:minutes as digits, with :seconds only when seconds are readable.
8:35
